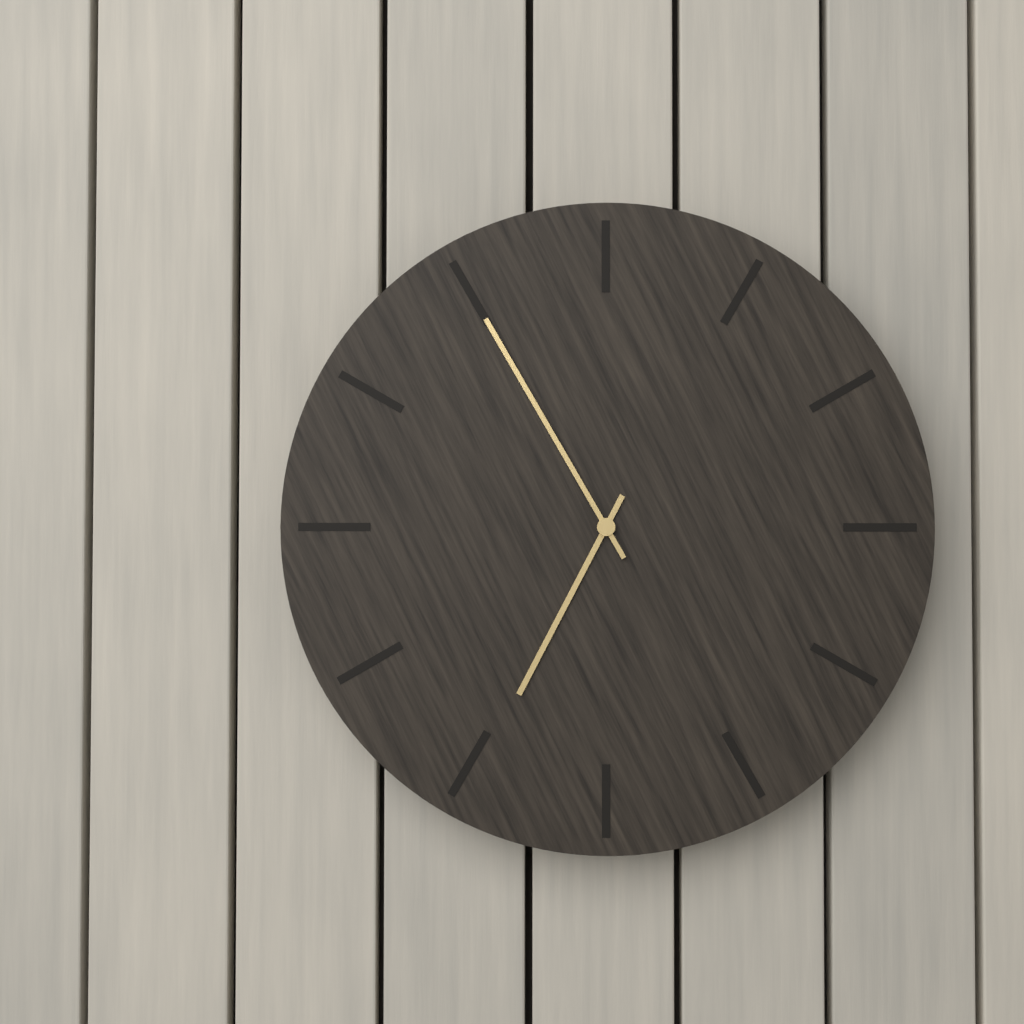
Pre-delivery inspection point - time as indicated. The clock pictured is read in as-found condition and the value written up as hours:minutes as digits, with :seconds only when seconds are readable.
6:55
